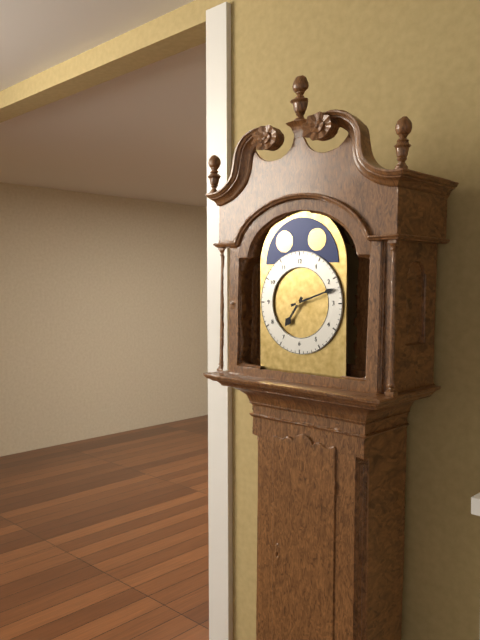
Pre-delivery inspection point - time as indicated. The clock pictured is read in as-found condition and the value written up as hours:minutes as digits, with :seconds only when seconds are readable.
7:12
